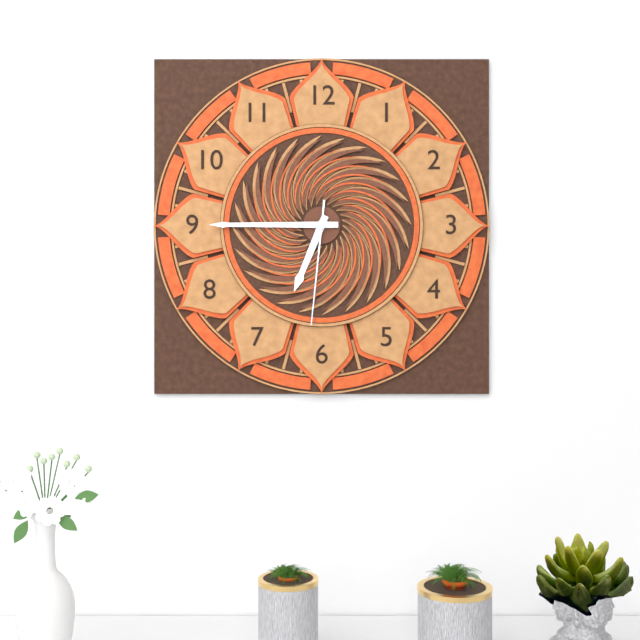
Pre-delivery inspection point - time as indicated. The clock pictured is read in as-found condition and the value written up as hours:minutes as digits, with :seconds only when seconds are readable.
6:45:31
